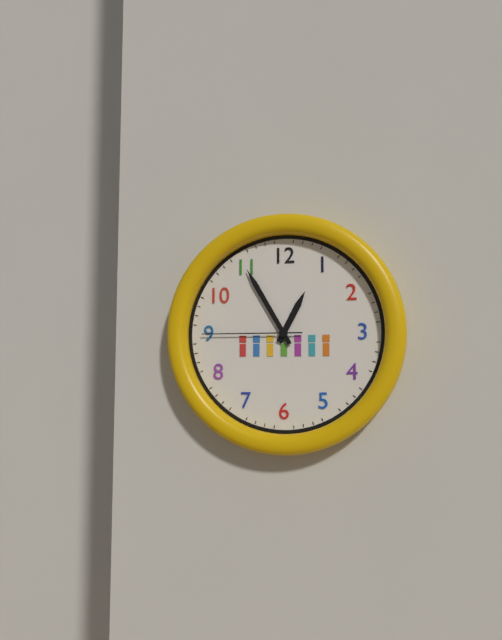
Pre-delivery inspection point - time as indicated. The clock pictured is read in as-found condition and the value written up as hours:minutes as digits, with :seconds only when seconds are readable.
12:55:45
